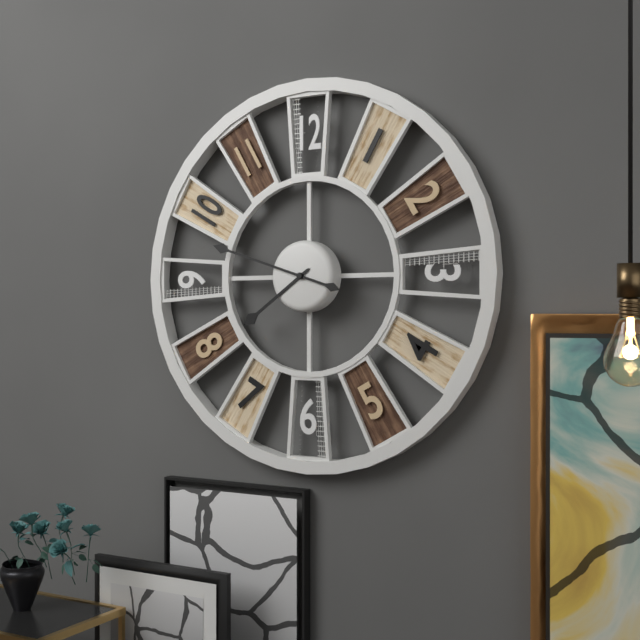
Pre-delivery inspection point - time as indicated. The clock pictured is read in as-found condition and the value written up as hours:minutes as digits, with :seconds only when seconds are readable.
7:48
